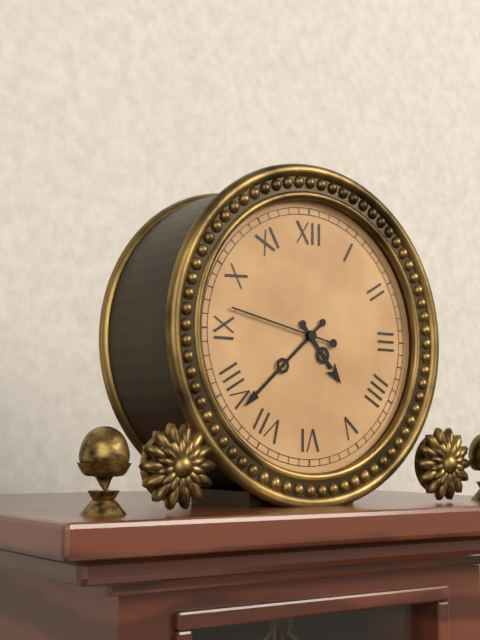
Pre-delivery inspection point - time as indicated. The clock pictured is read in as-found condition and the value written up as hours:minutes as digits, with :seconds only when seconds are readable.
4:38:47
